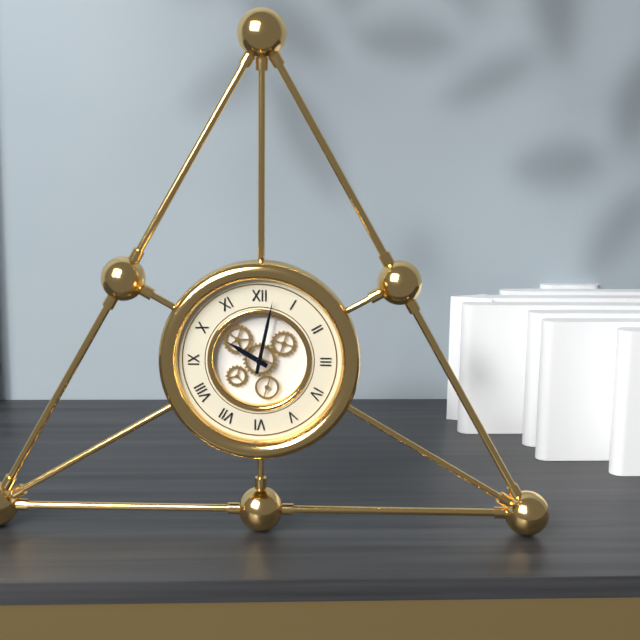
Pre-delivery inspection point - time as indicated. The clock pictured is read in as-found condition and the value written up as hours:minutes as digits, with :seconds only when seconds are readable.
10:02
